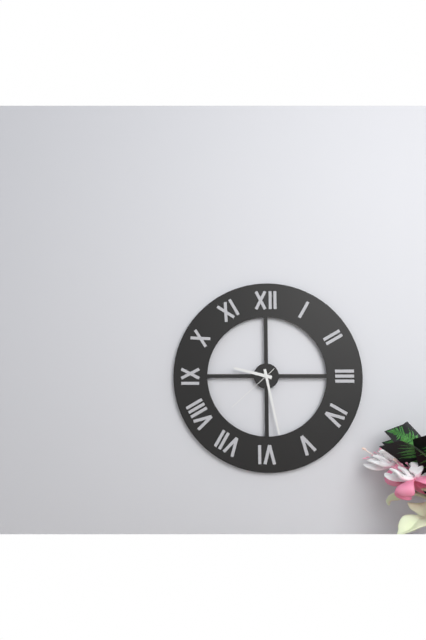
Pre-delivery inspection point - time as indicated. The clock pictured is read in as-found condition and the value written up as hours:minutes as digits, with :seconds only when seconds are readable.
9:28:38
